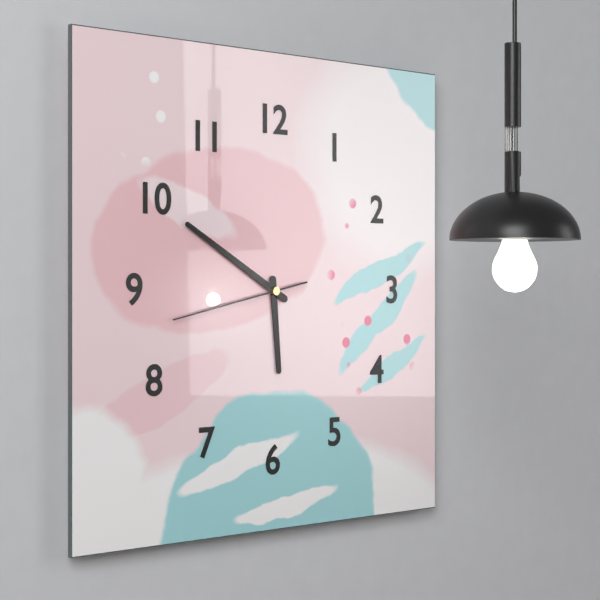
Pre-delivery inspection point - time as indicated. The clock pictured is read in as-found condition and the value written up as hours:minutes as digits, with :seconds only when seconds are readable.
5:50:43
